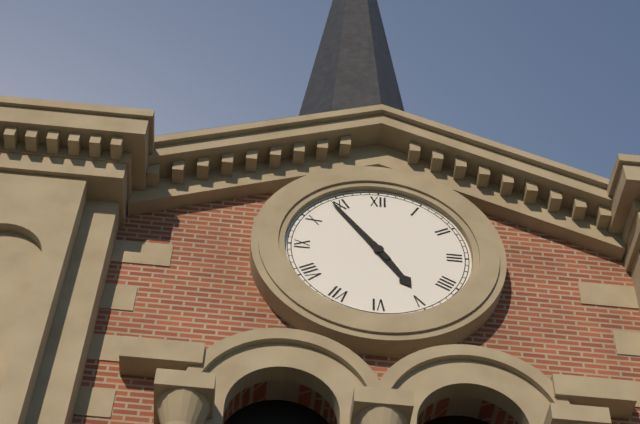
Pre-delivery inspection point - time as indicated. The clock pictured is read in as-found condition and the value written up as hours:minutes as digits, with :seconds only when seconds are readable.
4:54
